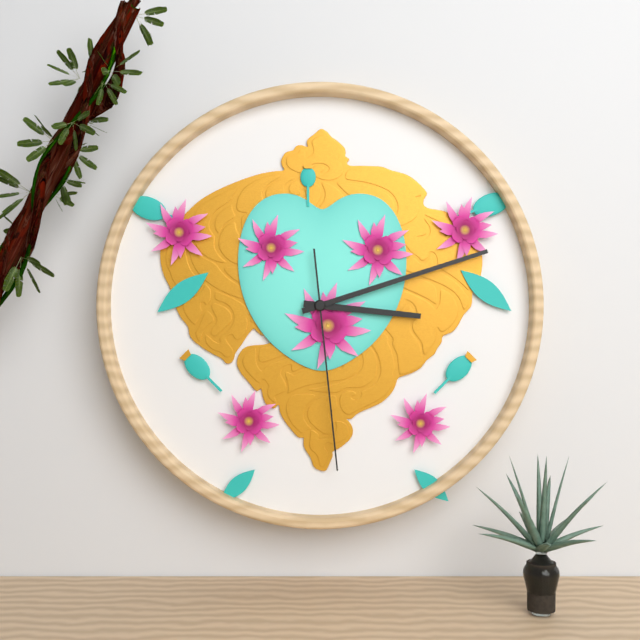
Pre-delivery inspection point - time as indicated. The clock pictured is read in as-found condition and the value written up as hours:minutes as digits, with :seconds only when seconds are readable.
3:12:29
